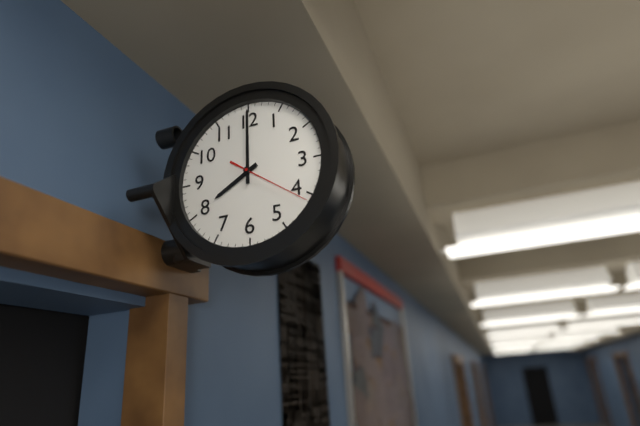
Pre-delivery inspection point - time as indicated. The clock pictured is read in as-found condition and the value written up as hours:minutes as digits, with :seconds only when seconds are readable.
8:00:21
